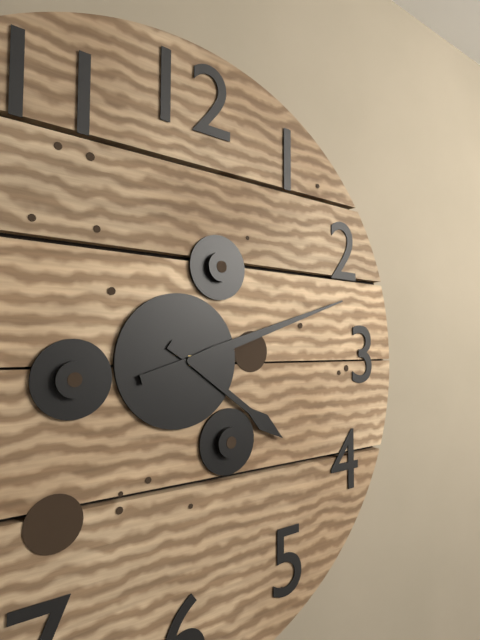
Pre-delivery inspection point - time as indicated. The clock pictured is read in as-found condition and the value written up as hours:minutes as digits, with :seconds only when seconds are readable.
4:12
